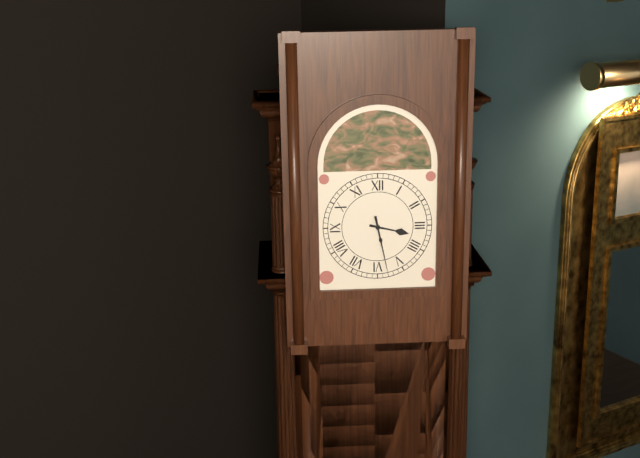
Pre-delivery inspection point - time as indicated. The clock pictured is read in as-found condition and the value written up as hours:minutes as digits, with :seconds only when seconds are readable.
3:28
